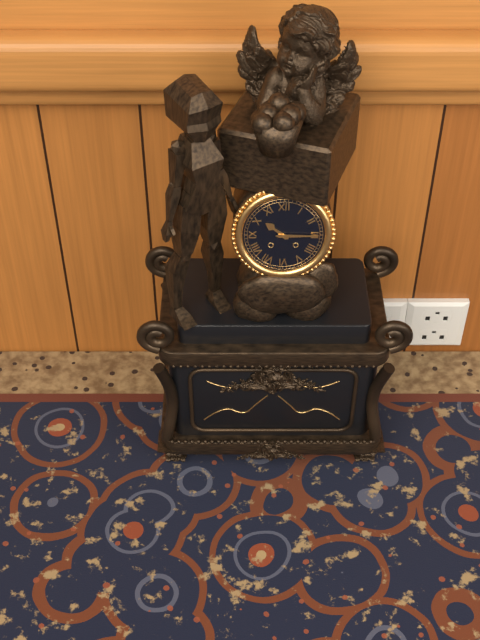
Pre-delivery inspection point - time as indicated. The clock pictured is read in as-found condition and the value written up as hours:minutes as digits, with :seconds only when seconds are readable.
10:15
